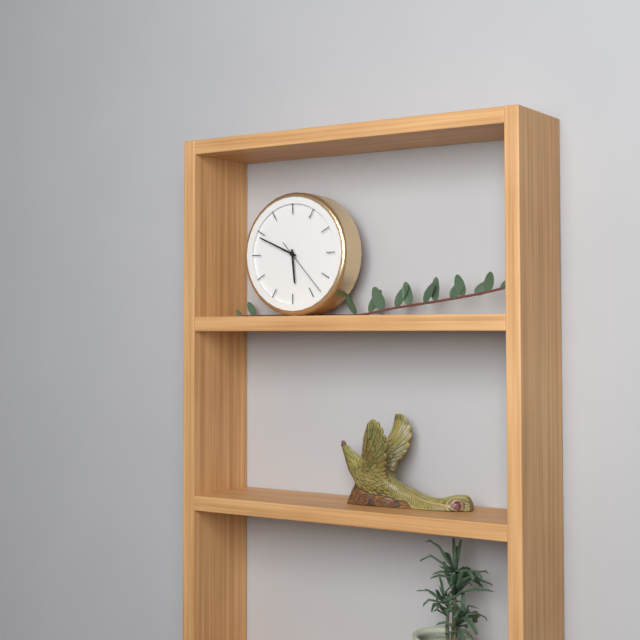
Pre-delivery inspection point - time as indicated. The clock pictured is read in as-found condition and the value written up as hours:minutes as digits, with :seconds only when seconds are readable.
5:49:23
